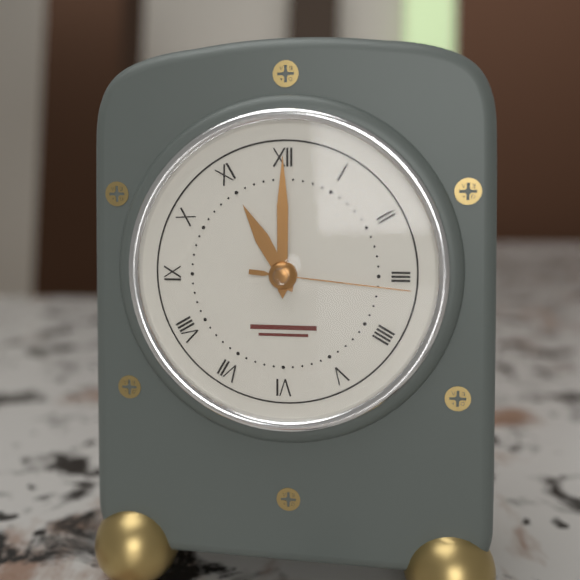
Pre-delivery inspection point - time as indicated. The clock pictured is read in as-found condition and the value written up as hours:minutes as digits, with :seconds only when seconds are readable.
11:00:16
